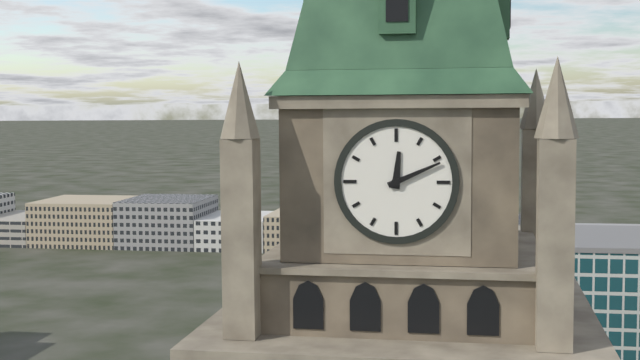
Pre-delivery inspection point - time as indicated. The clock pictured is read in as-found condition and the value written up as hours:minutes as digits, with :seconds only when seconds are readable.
12:11
